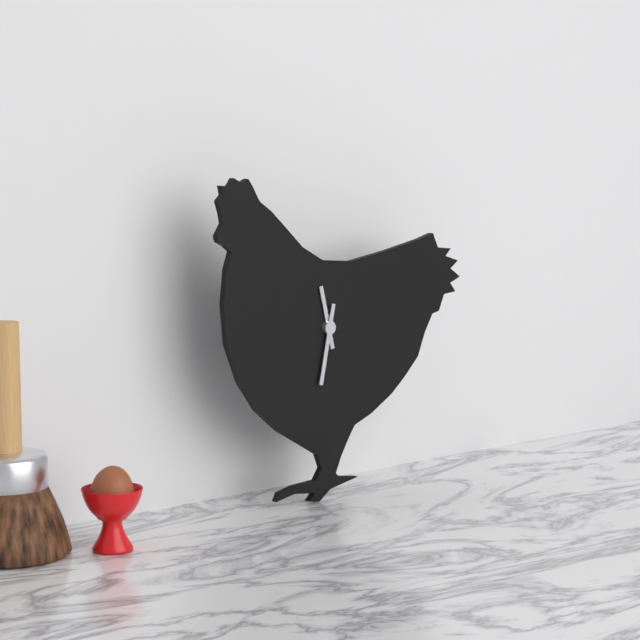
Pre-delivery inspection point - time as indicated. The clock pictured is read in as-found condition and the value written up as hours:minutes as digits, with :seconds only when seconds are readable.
11:32
